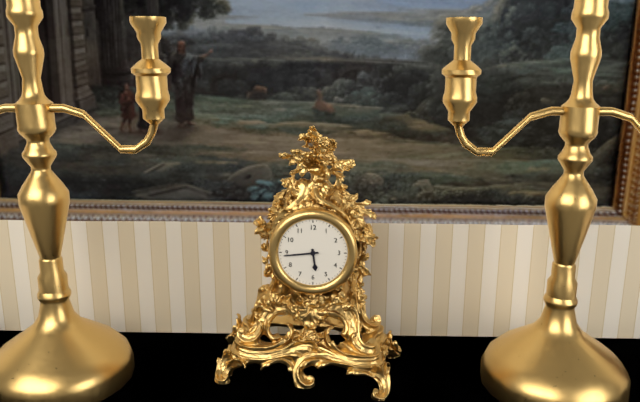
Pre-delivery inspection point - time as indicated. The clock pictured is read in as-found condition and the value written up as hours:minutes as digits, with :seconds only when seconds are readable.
5:44
